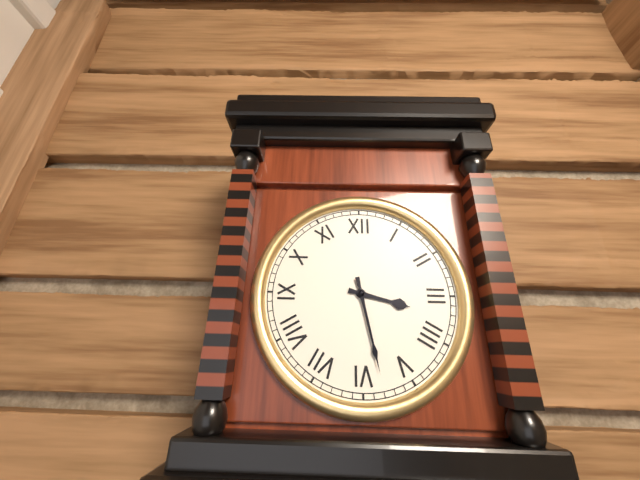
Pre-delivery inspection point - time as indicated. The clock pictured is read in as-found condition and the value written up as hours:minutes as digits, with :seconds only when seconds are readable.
3:28
